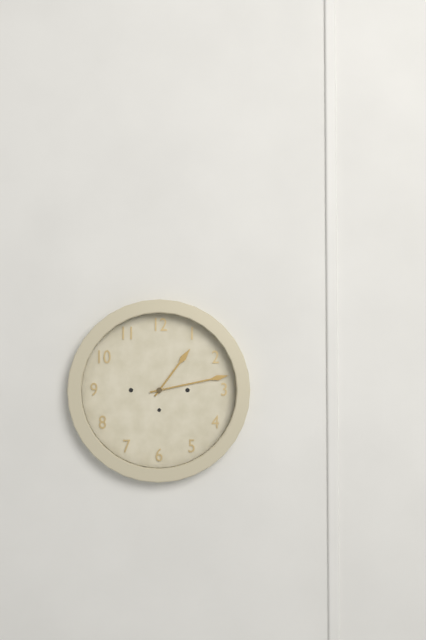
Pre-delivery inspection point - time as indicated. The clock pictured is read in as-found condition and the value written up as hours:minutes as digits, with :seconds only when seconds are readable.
1:13
